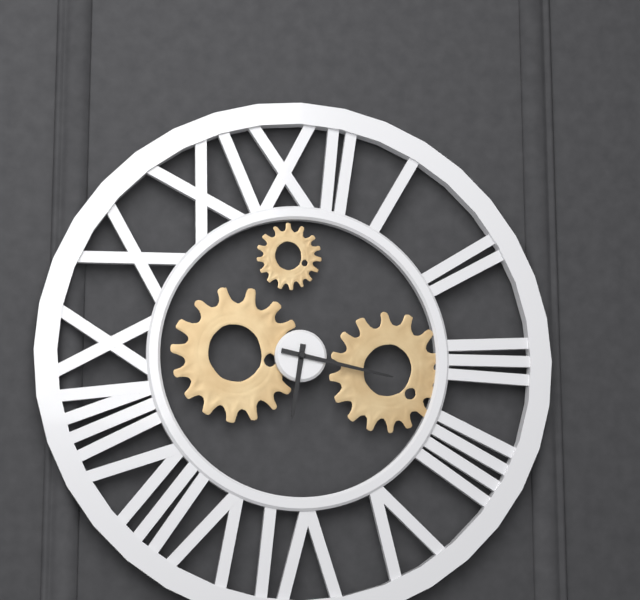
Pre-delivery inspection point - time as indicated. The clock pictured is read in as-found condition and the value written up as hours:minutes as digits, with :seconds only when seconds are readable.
6:17
